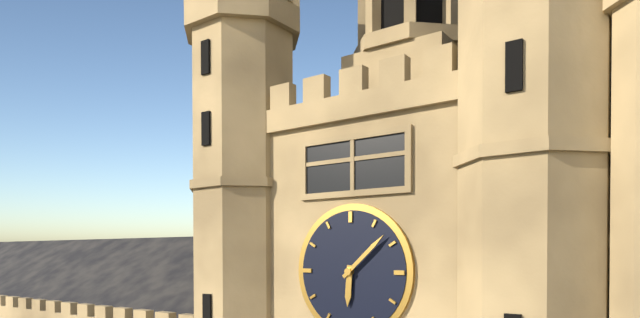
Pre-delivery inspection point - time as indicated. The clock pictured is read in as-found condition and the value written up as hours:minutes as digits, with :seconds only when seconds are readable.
6:08
